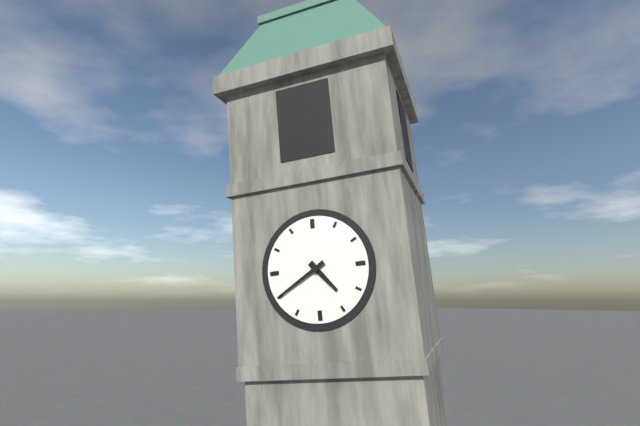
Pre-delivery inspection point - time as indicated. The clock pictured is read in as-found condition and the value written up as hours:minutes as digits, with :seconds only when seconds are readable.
4:40
